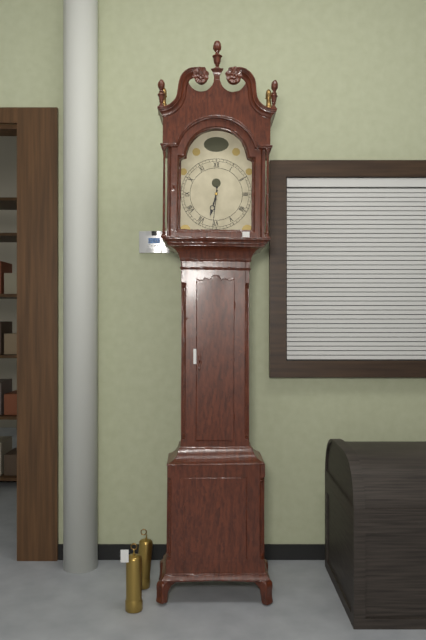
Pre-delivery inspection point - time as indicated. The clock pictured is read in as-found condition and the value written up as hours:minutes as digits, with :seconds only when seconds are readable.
6:31
